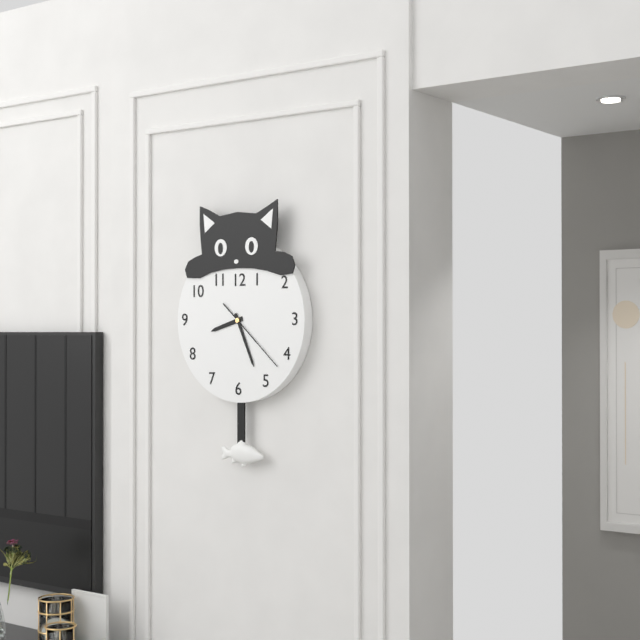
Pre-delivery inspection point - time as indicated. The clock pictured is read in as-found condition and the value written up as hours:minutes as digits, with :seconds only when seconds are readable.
8:26:22
